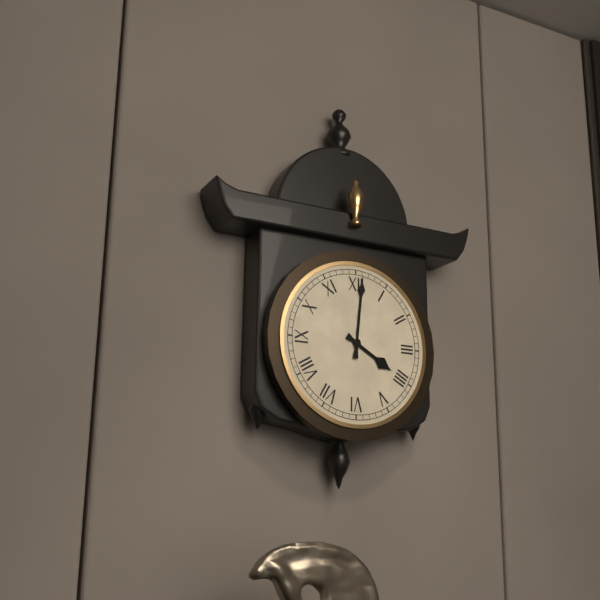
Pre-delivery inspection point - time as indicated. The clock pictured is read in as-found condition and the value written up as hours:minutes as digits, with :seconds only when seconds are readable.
4:01
